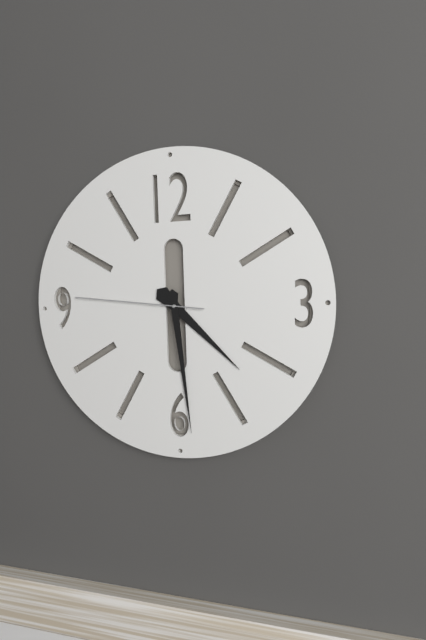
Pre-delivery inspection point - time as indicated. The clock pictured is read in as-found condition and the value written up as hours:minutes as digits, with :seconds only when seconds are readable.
4:29:46
